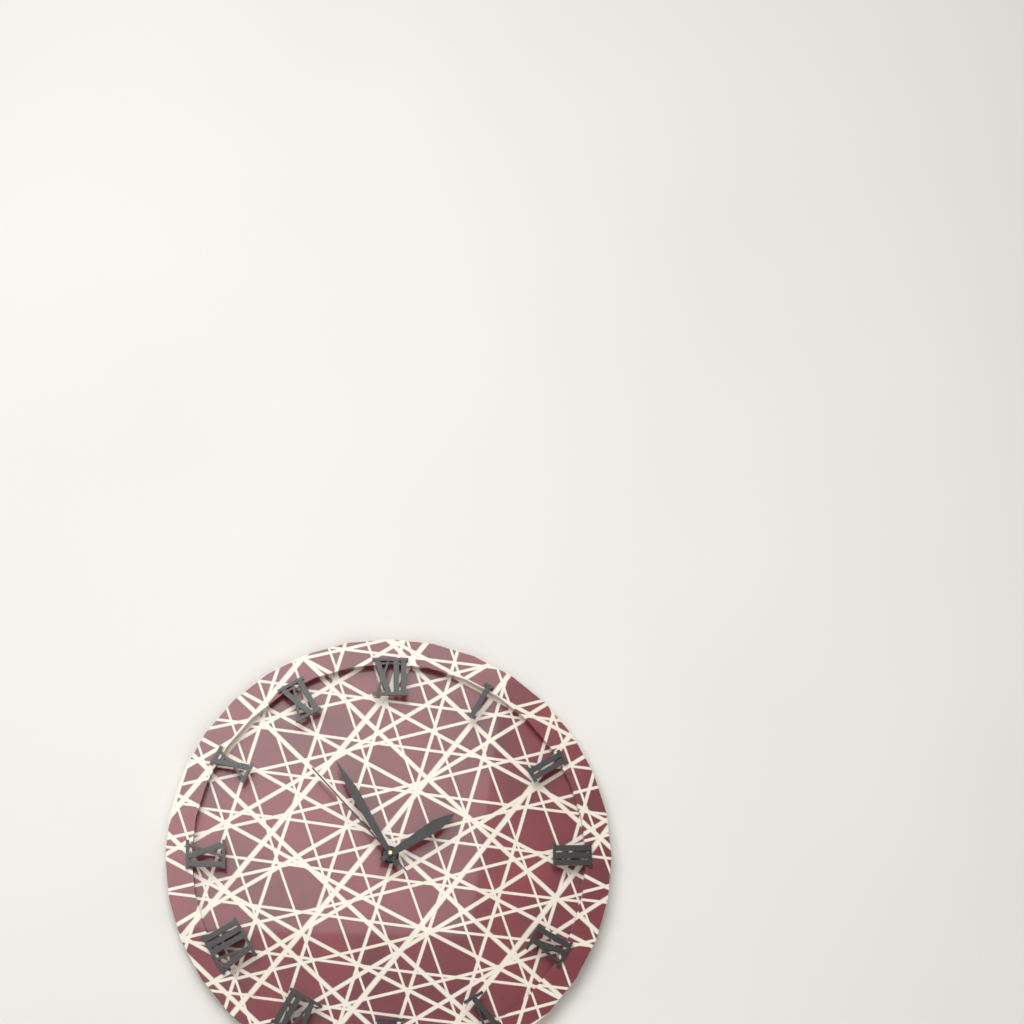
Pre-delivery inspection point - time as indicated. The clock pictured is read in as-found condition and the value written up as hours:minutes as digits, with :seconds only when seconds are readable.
1:55:53
